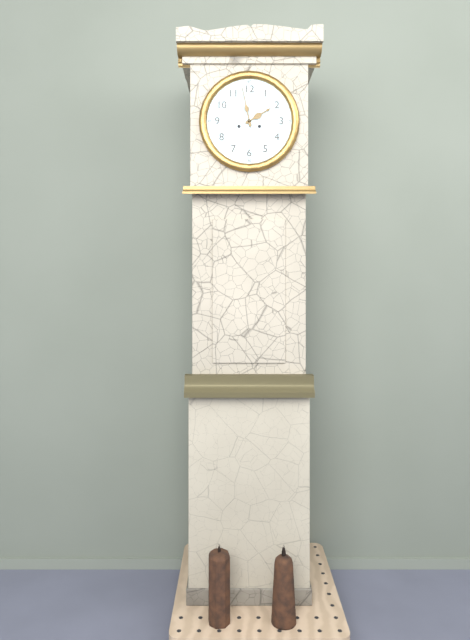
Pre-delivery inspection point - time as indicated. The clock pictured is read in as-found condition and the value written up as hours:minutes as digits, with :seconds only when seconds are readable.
1:58
